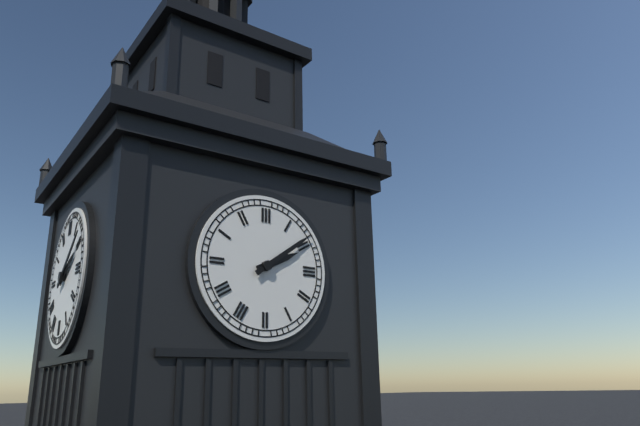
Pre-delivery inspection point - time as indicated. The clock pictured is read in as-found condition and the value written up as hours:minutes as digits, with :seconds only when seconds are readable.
2:09
